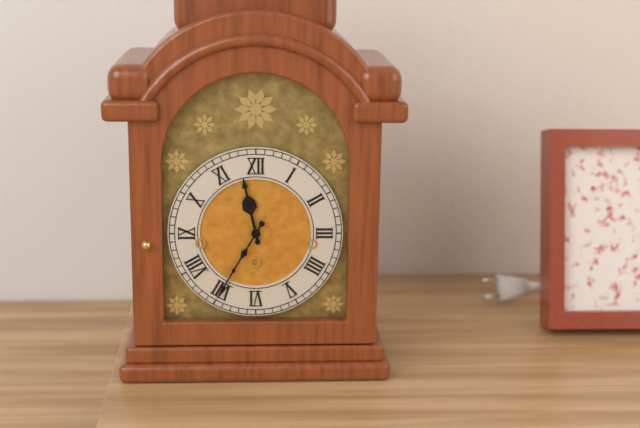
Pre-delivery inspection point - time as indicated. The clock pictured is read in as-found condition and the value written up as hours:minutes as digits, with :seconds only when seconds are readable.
11:35
